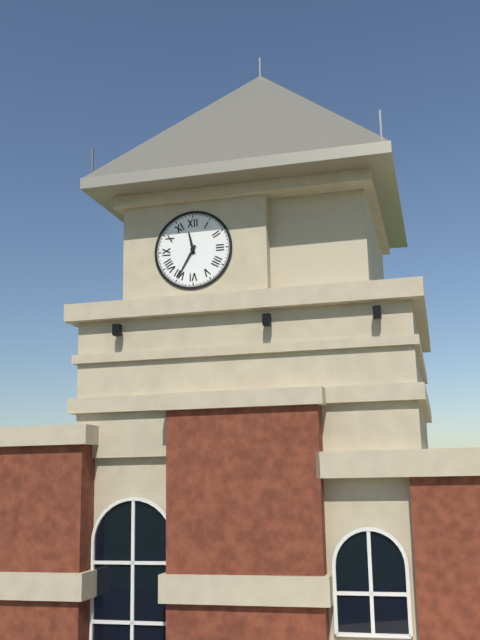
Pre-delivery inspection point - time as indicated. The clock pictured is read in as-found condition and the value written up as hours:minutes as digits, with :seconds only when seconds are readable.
11:35
